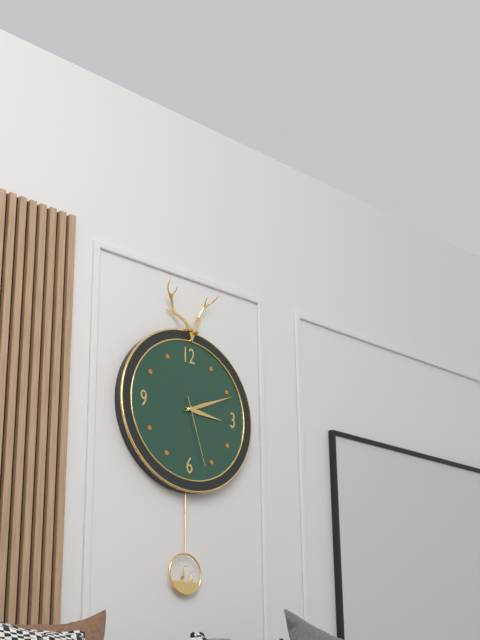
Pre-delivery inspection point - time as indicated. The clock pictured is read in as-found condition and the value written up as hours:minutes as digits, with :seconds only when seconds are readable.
3:11:27
